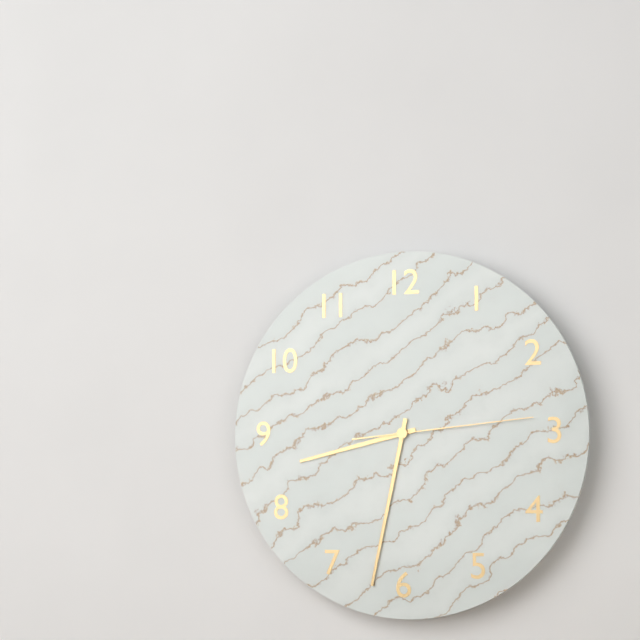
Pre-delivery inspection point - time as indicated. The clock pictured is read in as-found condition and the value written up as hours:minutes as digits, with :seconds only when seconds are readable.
8:32:14
